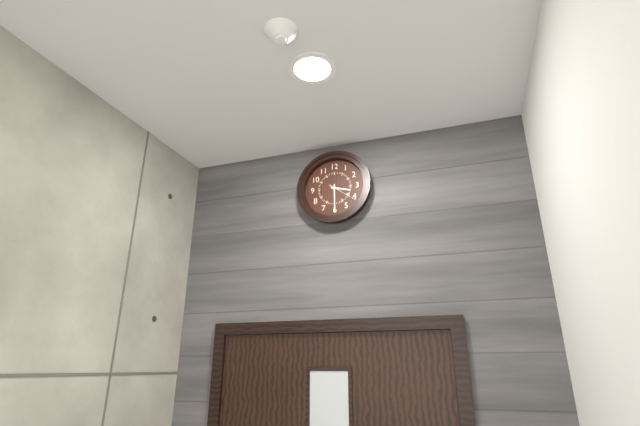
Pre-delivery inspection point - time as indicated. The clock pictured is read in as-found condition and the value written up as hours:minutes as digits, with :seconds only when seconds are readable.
3:30
